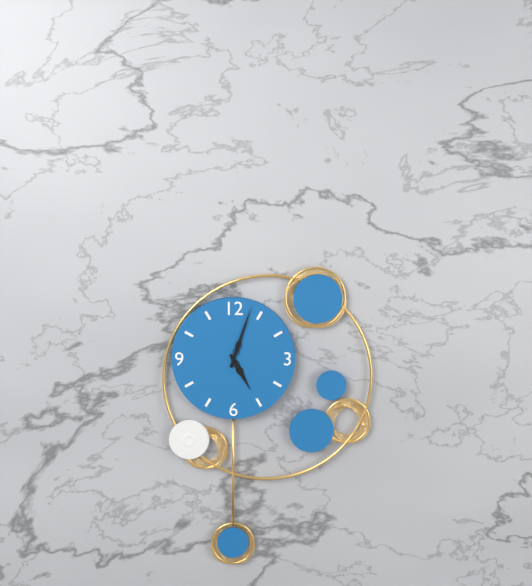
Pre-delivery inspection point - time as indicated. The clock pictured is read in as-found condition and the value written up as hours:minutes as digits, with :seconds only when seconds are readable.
5:03
